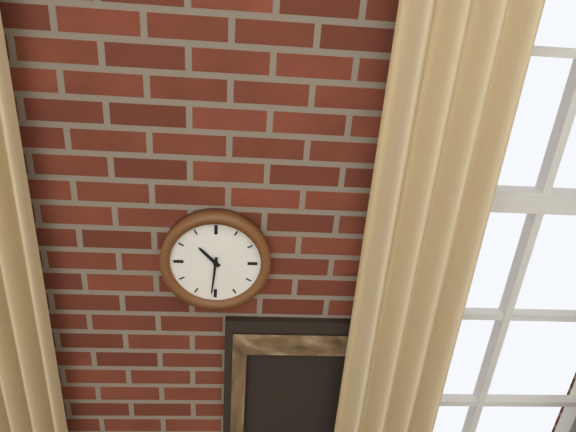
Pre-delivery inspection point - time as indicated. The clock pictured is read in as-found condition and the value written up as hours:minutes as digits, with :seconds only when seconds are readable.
10:31
